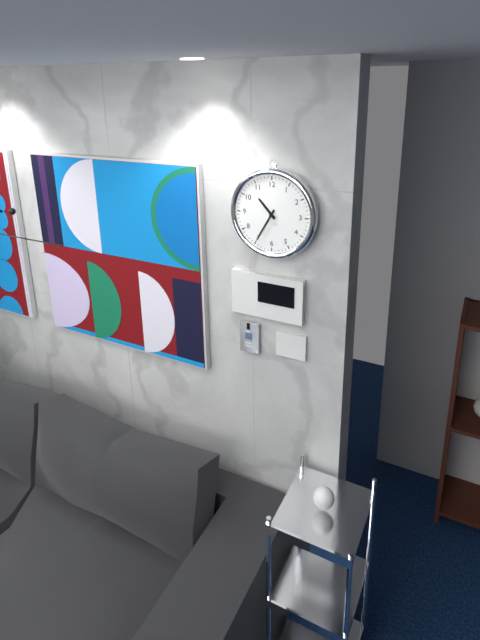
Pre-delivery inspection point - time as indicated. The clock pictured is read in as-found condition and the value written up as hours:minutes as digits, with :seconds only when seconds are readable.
10:35
